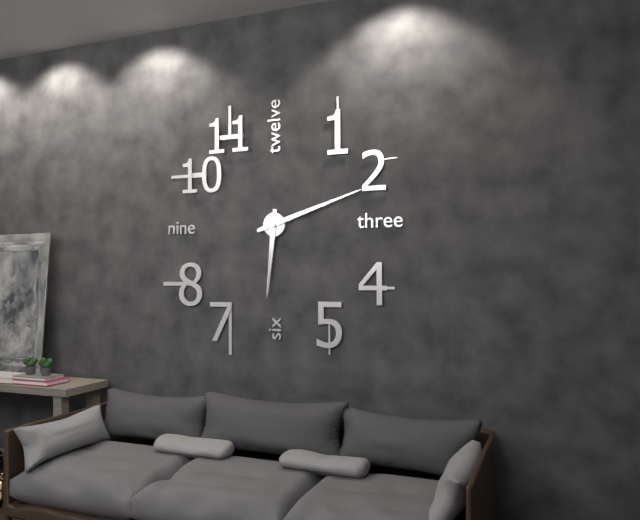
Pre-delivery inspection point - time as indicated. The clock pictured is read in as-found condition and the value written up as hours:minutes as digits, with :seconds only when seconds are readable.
6:12
